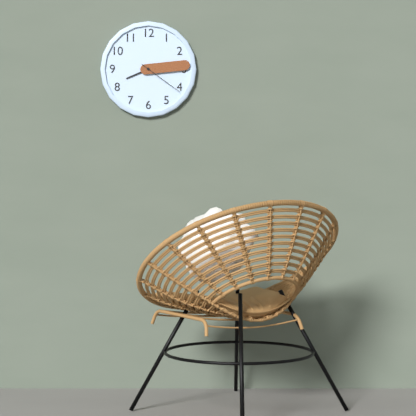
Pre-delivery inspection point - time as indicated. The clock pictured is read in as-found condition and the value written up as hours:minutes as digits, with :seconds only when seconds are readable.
8:14
